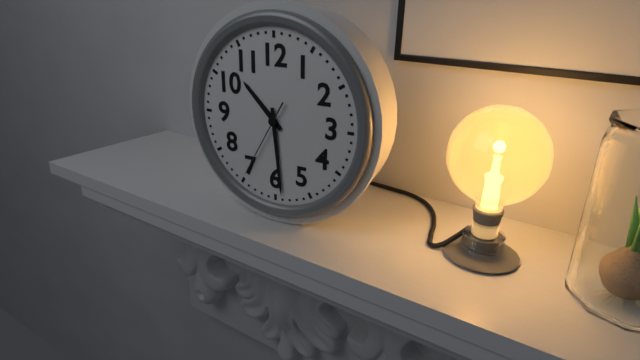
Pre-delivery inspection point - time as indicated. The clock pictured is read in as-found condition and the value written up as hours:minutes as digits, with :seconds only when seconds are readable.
10:29:35
